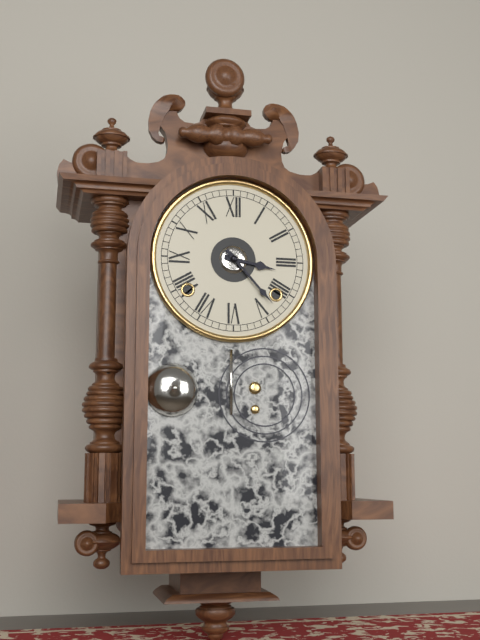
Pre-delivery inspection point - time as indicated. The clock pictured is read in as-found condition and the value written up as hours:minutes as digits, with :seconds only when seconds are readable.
3:23
